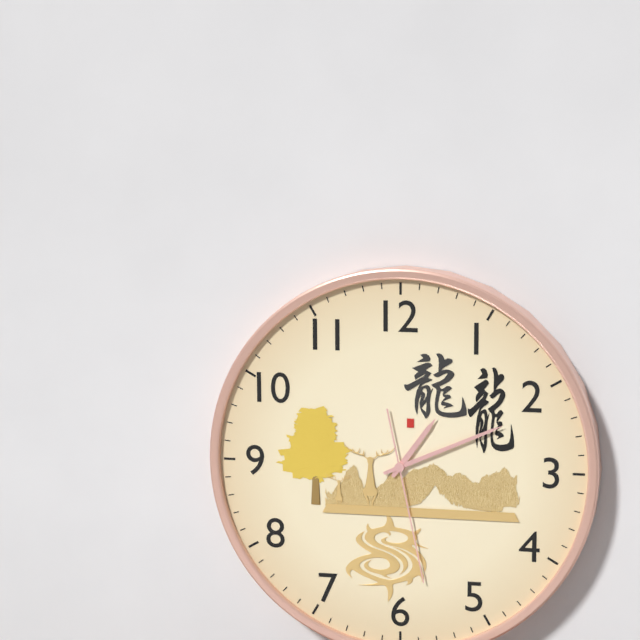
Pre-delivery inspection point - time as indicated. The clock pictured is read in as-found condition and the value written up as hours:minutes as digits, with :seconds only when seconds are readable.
1:11:28
